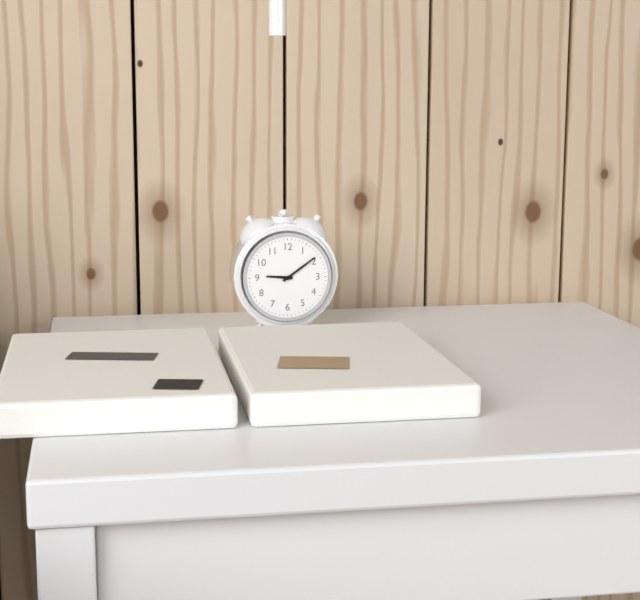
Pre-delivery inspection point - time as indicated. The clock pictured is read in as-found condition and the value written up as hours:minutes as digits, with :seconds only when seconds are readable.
9:09
